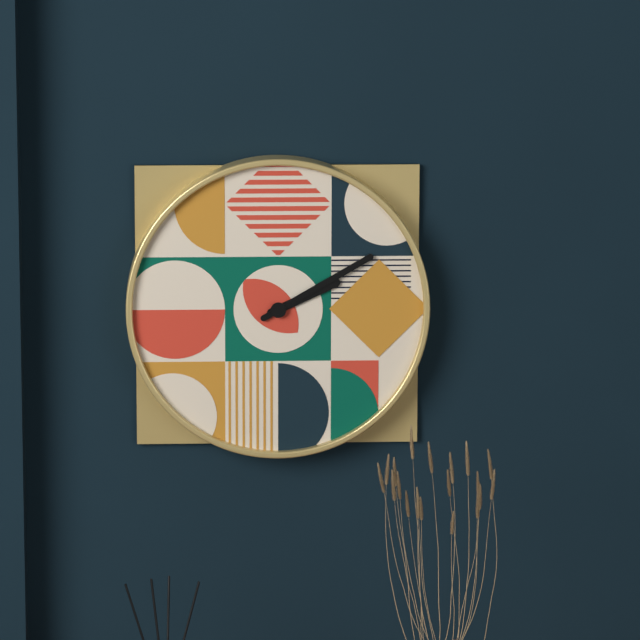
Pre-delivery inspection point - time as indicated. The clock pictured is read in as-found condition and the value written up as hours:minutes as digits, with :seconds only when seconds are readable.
2:10
